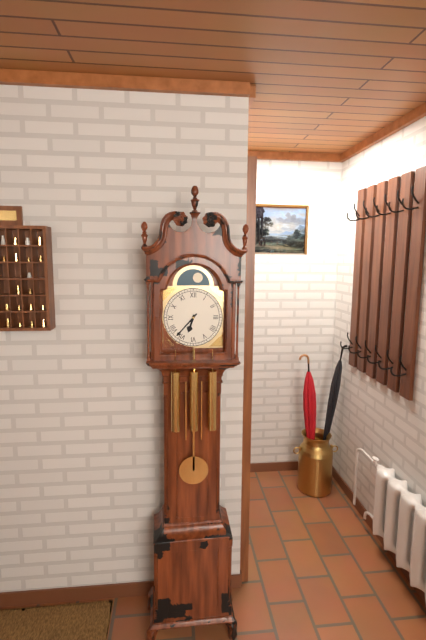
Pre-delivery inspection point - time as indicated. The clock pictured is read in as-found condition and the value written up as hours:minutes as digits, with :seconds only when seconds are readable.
6:37
